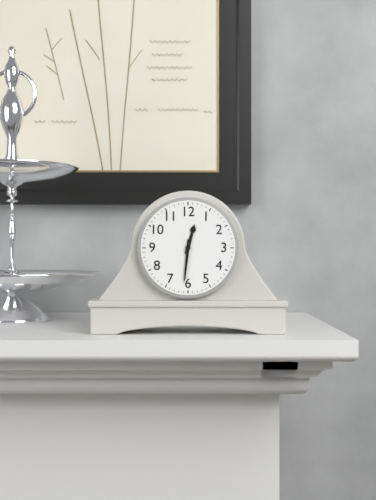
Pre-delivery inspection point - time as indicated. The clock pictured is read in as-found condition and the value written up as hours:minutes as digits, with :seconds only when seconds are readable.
12:31
